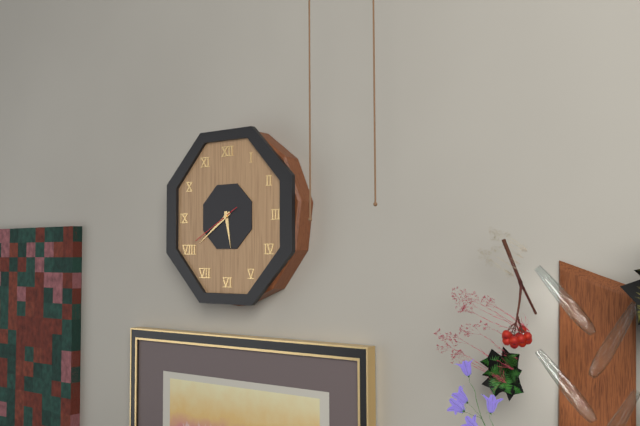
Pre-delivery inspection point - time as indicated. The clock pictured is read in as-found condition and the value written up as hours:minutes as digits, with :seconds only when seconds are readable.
5:39:40
